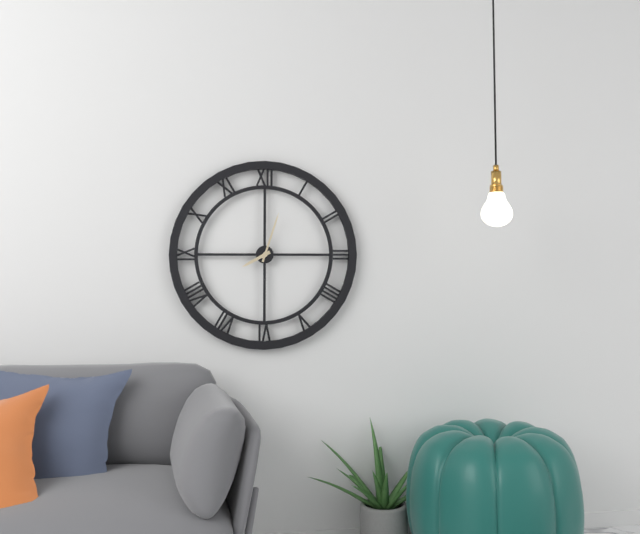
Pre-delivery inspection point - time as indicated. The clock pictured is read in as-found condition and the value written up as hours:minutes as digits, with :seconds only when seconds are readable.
8:03
